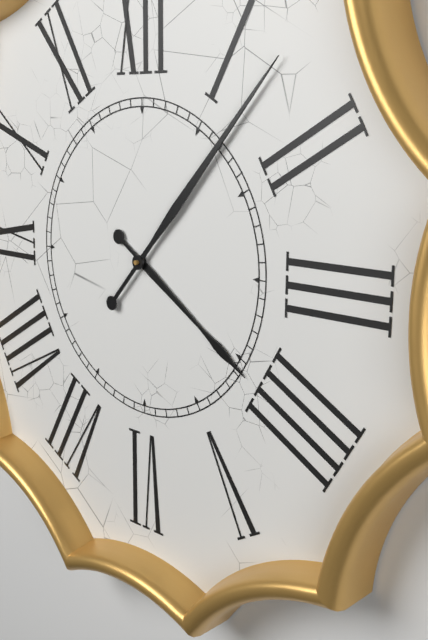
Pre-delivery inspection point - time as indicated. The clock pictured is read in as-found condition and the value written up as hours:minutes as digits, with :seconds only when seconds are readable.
4:07
